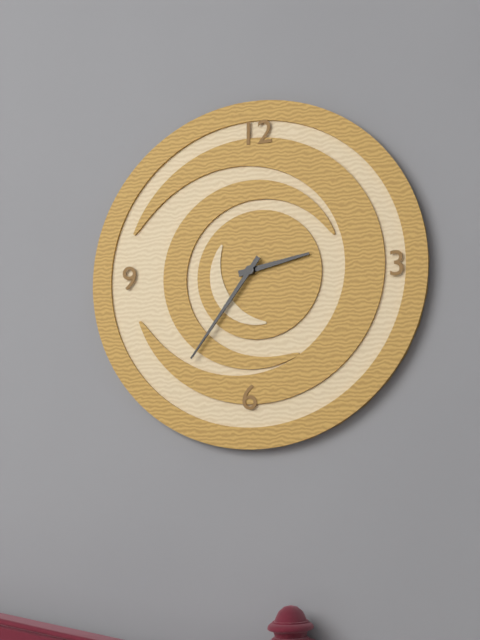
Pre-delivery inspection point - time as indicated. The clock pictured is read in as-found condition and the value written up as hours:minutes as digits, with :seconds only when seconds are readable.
2:36
